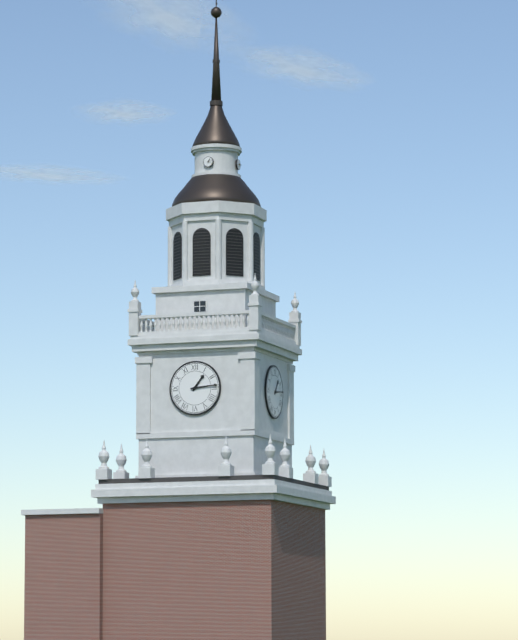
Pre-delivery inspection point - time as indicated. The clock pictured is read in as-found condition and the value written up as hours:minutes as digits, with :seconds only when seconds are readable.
1:14
